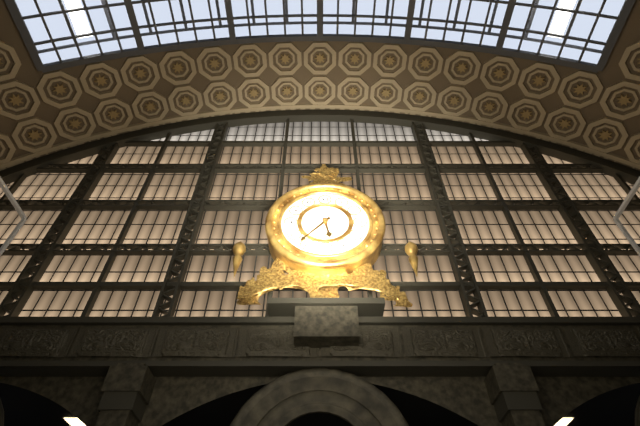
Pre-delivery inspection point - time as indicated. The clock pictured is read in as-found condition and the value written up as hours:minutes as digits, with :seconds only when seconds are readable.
5:37
